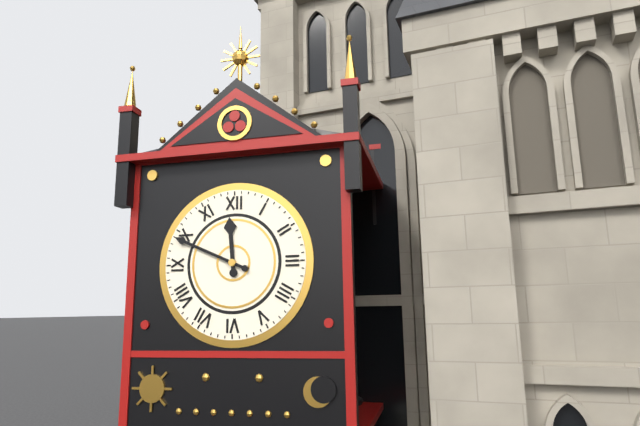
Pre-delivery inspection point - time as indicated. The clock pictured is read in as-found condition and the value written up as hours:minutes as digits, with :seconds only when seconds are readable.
11:49
